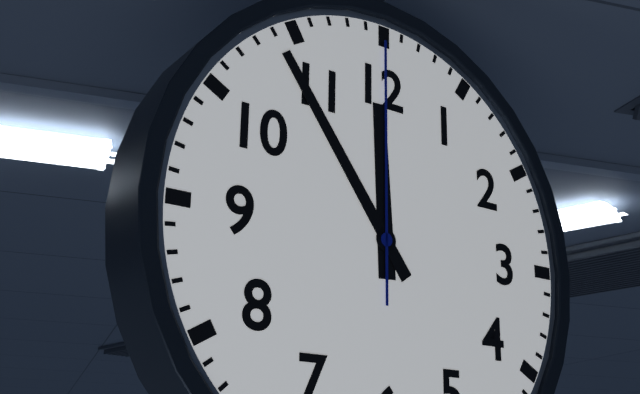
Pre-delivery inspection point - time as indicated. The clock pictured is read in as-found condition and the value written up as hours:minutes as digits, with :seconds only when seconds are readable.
11:54:00
